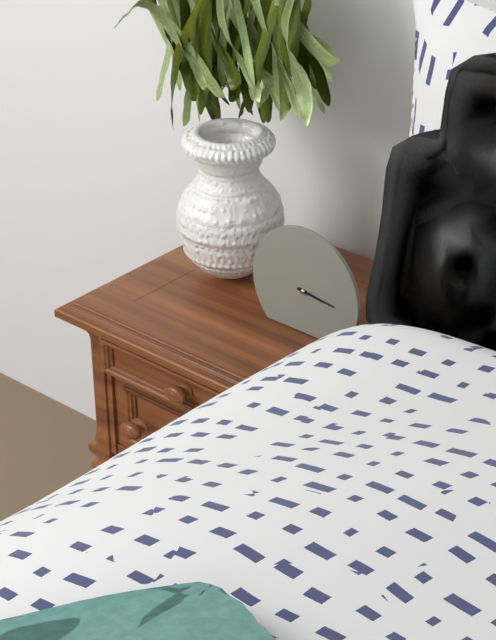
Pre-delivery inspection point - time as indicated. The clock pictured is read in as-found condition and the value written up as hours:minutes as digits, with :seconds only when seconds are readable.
3:16
